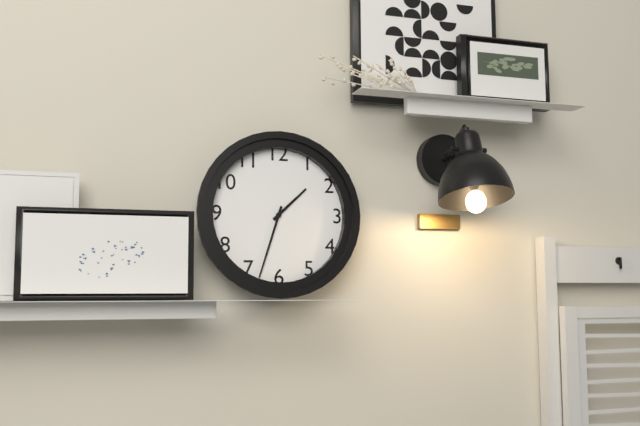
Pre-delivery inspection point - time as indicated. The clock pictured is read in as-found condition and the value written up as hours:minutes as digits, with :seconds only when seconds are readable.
1:33
